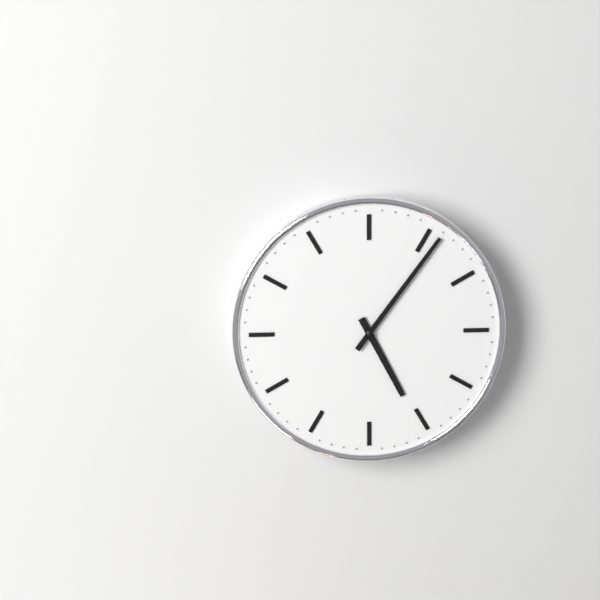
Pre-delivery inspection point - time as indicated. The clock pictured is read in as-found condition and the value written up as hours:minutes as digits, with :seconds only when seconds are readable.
5:06
